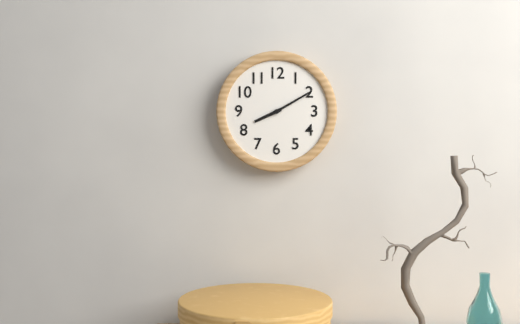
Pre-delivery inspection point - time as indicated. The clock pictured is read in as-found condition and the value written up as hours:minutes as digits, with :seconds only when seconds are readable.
8:10
